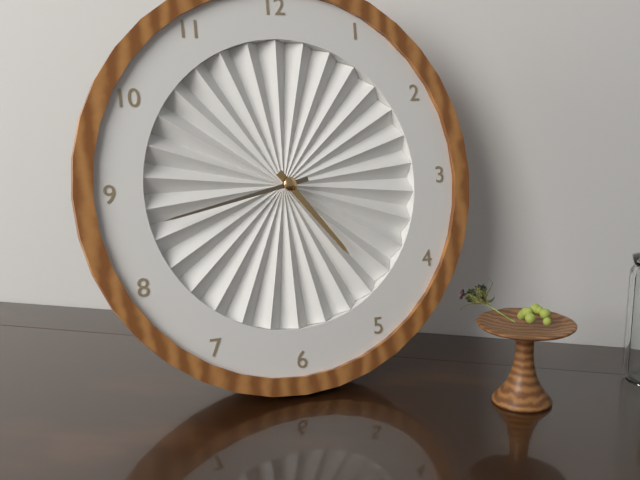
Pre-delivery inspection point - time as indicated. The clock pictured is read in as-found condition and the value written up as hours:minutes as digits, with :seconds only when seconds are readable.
4:43
